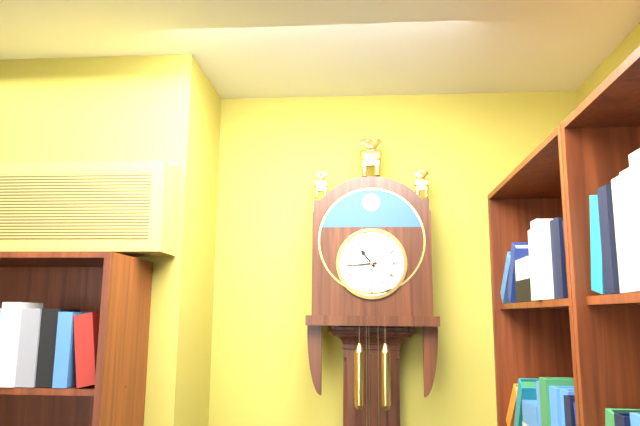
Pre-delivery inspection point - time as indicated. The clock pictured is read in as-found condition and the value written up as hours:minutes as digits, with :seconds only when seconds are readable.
10:44
